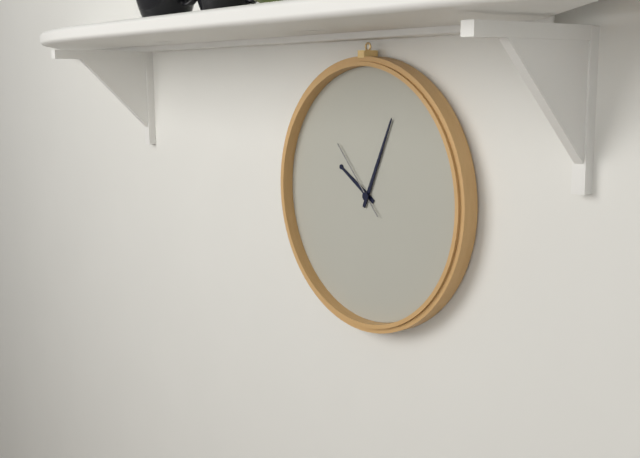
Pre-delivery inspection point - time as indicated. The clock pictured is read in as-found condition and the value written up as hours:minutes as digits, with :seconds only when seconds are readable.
10:04:53
